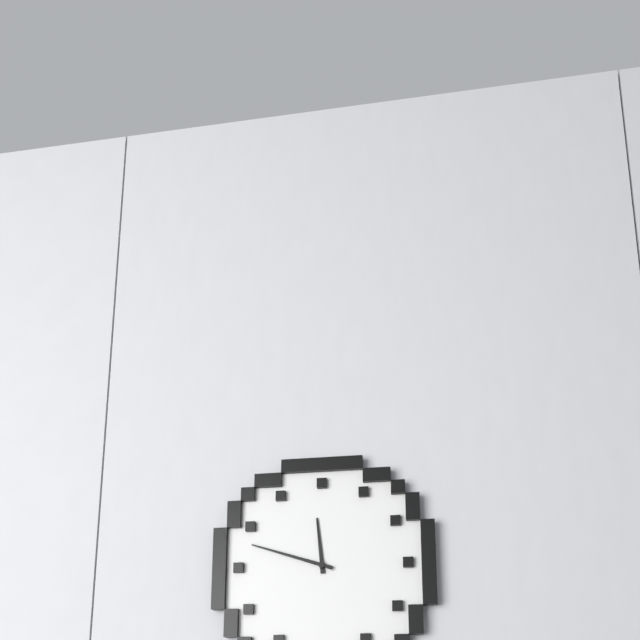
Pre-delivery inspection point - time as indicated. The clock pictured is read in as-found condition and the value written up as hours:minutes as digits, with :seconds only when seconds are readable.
11:48
